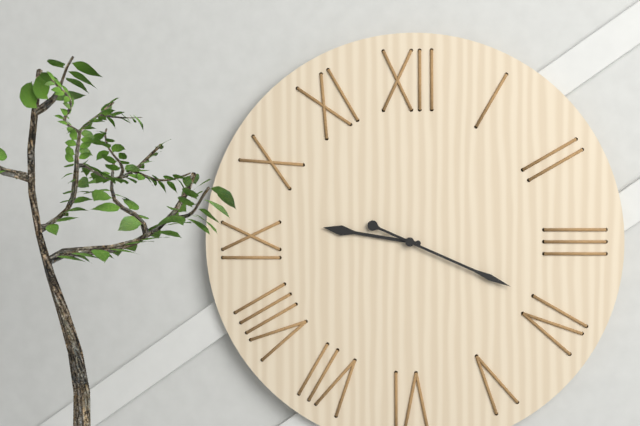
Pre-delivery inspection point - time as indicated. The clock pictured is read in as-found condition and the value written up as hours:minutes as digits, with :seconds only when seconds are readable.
9:19
